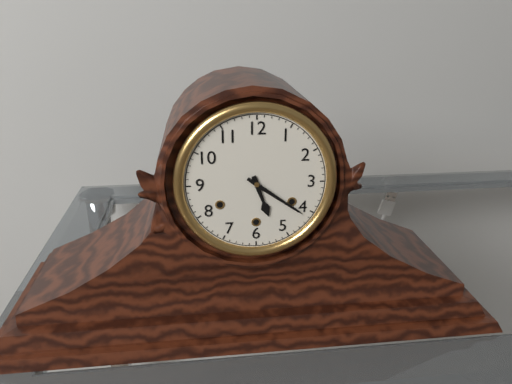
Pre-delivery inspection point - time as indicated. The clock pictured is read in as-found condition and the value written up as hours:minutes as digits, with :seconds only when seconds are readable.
5:21
